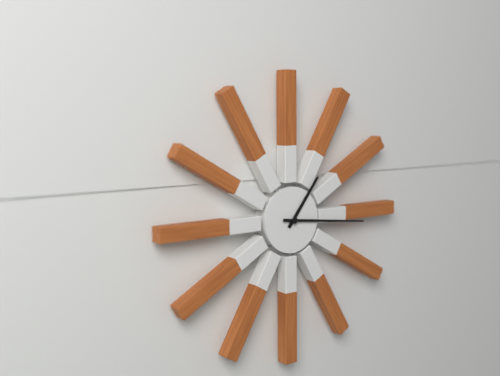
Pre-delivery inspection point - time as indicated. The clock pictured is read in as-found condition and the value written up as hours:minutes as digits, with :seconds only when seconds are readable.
1:16
